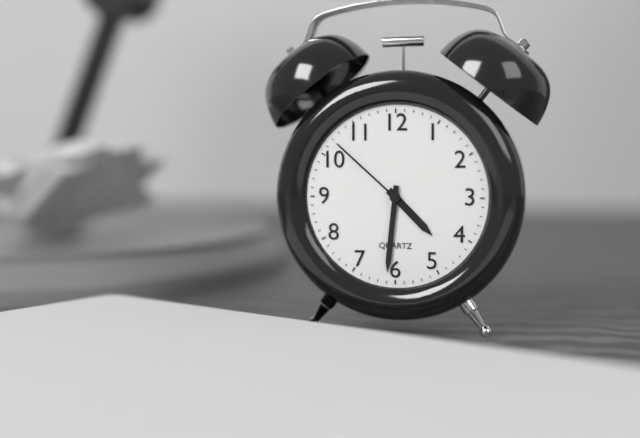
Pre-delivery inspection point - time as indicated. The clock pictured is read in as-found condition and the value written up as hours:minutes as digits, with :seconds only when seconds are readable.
4:31:52
